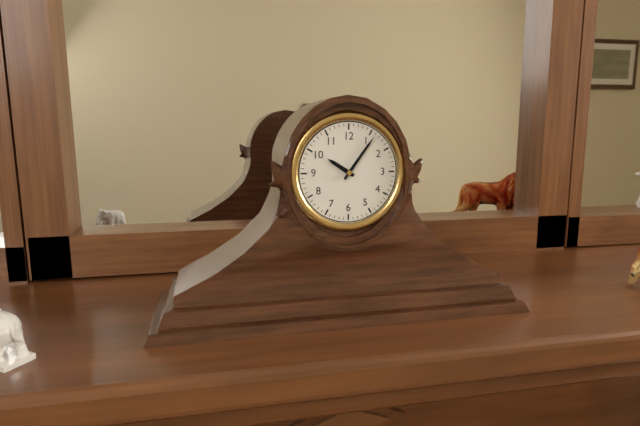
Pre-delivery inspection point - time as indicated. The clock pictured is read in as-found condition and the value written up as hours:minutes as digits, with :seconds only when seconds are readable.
10:06
